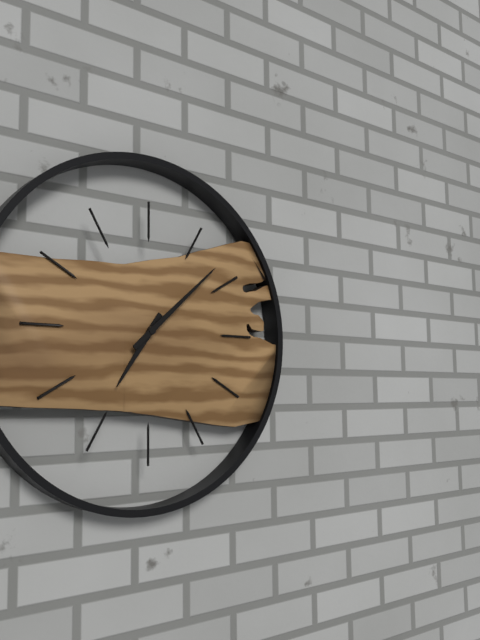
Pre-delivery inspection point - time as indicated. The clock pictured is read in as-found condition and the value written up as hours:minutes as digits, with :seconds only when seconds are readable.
7:08
